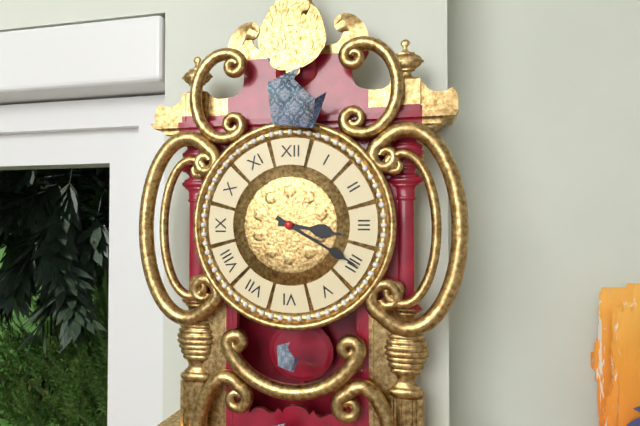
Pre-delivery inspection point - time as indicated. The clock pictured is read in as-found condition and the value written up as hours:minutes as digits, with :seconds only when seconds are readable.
3:20
